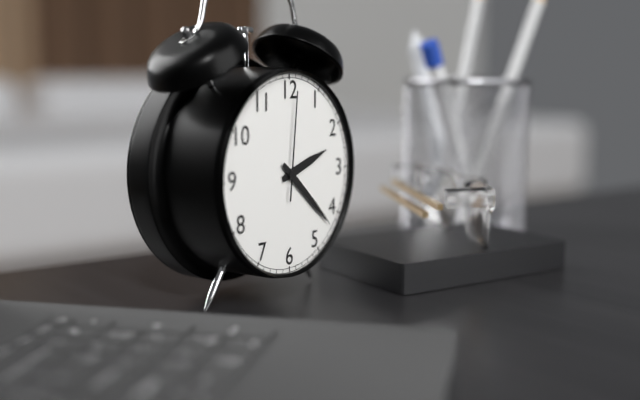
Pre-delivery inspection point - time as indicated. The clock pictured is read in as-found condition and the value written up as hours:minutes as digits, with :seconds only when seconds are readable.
2:22:01
